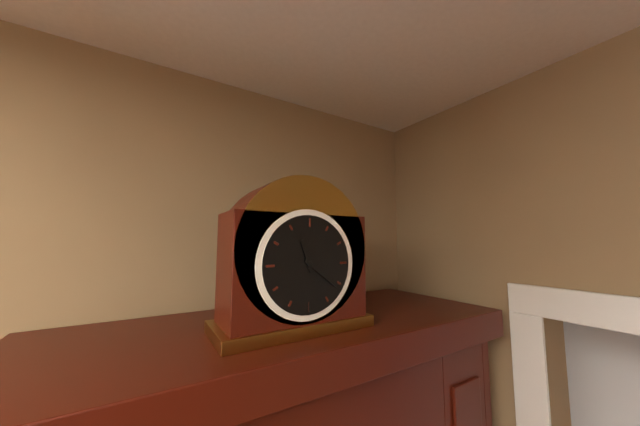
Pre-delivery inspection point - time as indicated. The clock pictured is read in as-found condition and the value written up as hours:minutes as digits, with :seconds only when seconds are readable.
11:21
